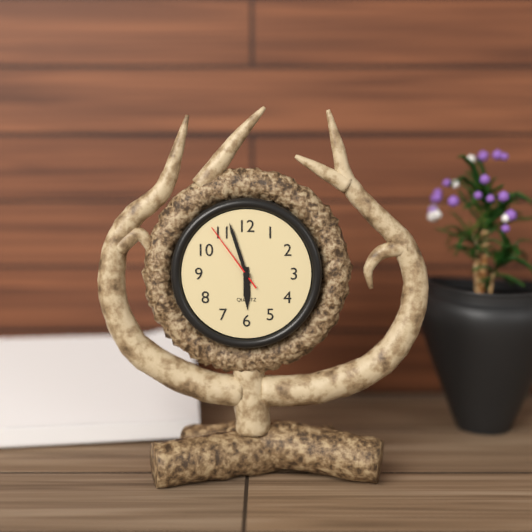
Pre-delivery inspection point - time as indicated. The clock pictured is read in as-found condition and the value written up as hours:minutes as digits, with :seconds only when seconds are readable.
5:57:54
